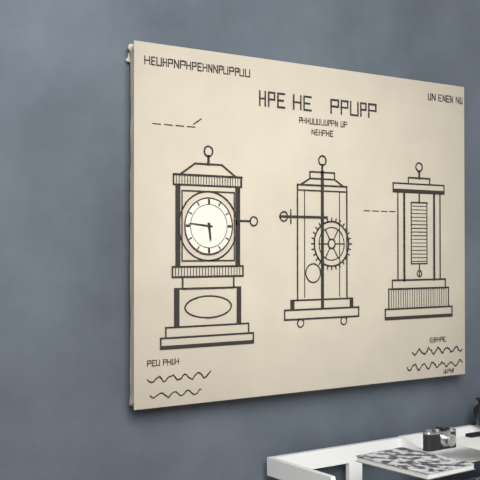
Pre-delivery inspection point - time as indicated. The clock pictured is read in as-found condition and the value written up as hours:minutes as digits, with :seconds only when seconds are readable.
5:46
